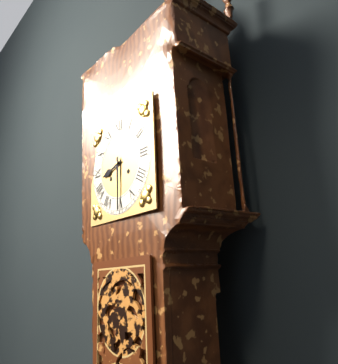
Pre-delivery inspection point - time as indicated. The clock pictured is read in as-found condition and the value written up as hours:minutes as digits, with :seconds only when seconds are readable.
8:30
